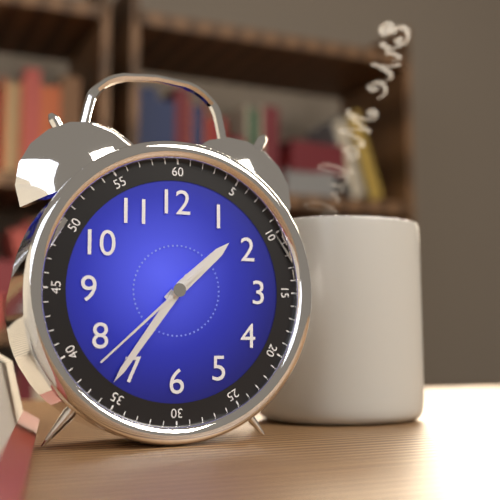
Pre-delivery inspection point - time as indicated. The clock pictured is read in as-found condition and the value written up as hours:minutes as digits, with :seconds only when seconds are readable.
1:36:38
